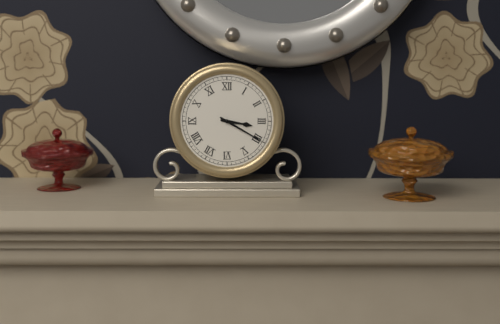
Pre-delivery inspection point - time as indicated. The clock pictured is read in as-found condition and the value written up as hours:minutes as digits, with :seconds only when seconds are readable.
3:20
